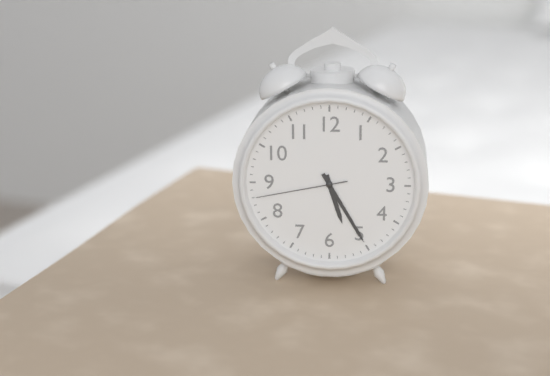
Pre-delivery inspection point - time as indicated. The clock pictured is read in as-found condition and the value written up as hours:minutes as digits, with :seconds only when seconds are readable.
5:25:43
